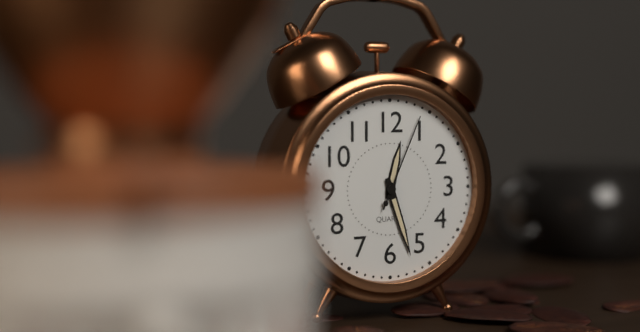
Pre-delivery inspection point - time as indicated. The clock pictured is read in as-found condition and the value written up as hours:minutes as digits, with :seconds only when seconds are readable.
12:27:04
